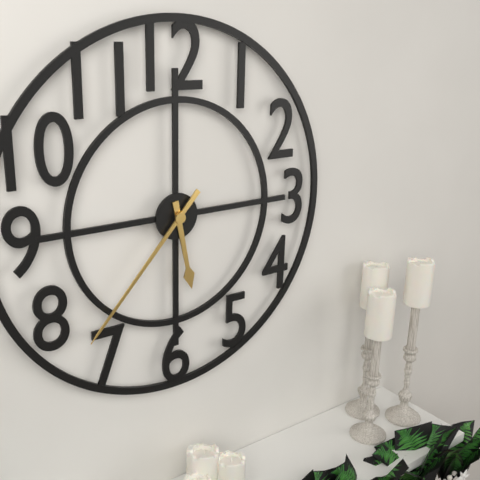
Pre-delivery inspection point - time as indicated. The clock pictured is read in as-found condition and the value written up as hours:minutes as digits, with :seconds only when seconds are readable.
5:37
